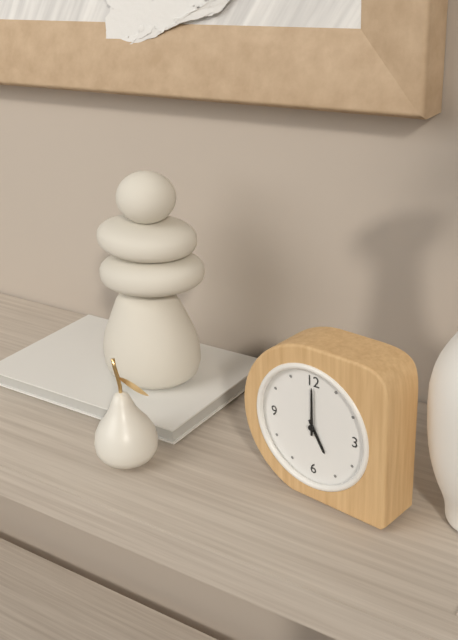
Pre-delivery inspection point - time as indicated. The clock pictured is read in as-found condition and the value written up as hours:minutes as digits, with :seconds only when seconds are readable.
5:00
